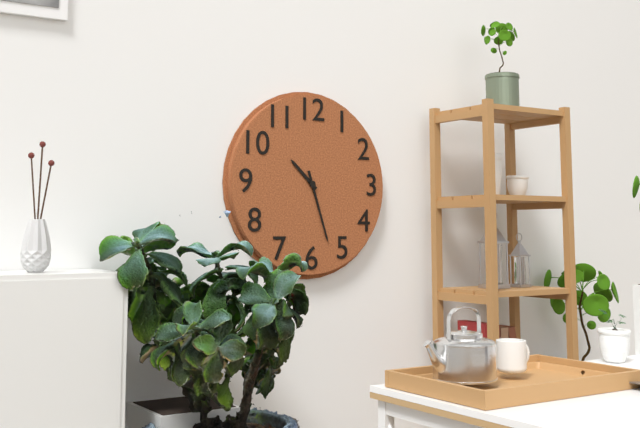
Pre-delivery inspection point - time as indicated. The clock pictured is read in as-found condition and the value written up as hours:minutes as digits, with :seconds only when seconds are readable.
10:27
